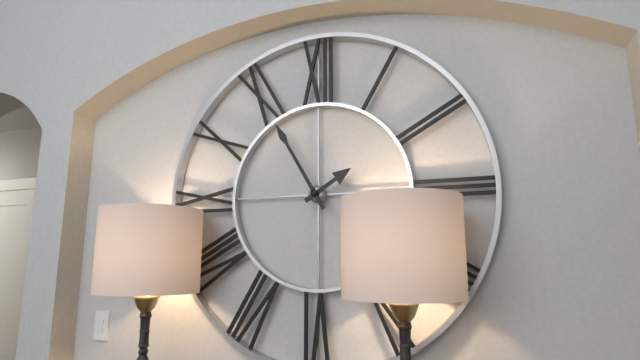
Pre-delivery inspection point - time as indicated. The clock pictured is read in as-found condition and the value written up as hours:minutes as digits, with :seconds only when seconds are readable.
1:55
